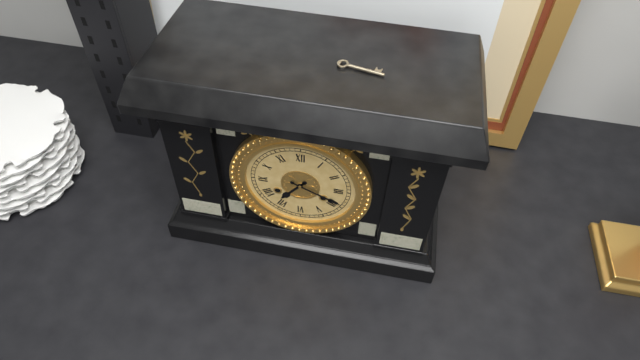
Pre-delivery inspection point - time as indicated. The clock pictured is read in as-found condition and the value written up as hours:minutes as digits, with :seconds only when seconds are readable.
7:19
